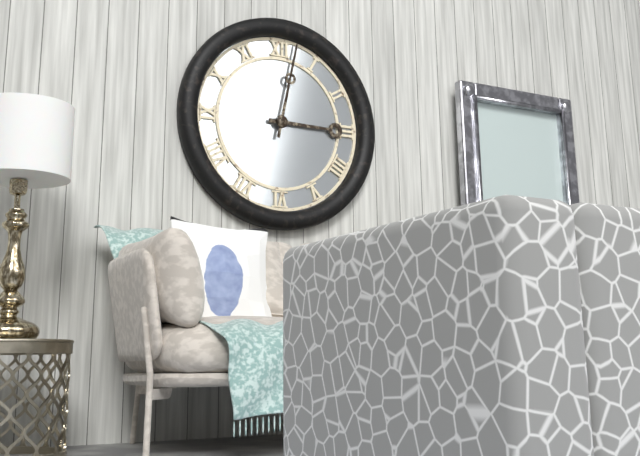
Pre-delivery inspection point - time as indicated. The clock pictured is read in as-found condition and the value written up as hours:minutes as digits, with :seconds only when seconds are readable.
3:02
